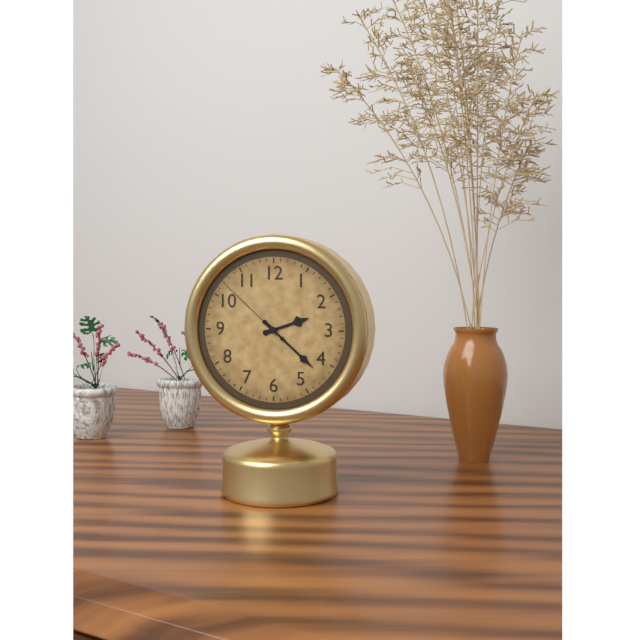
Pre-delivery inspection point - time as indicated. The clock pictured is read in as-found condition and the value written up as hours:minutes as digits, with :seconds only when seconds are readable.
2:22:52
